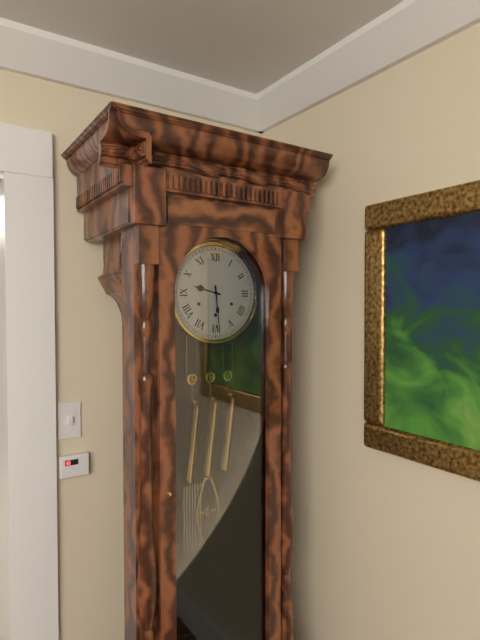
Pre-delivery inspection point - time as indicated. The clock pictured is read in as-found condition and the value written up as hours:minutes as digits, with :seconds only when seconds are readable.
9:29
